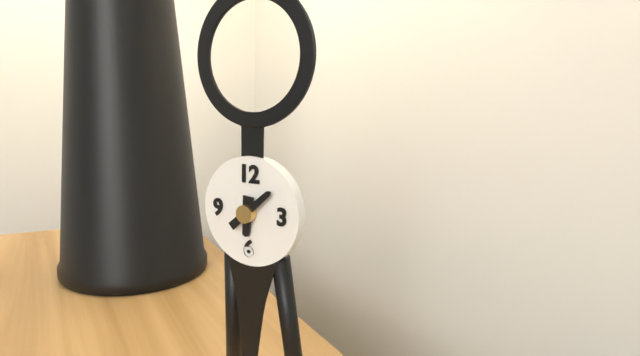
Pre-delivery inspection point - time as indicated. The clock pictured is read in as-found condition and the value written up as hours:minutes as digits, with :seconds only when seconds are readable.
6:08
